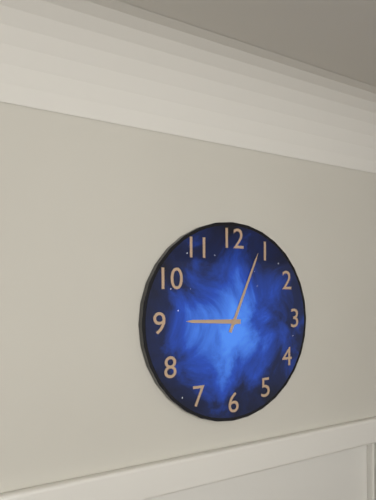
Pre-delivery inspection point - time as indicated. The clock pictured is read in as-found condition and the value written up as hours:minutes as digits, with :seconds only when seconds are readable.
9:04
